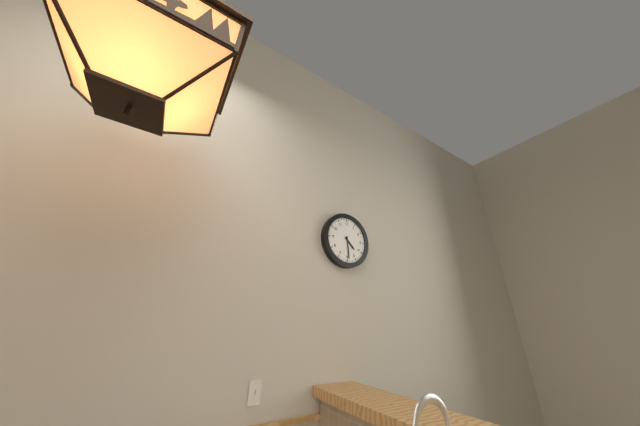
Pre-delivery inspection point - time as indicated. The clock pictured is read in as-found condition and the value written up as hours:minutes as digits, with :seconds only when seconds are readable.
4:29
